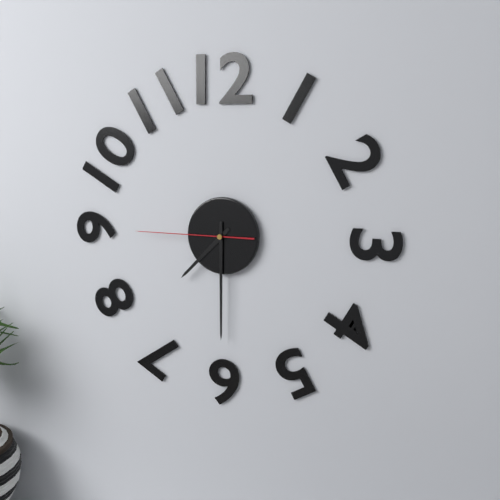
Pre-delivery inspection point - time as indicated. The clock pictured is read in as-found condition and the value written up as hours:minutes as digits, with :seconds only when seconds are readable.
7:30:45
